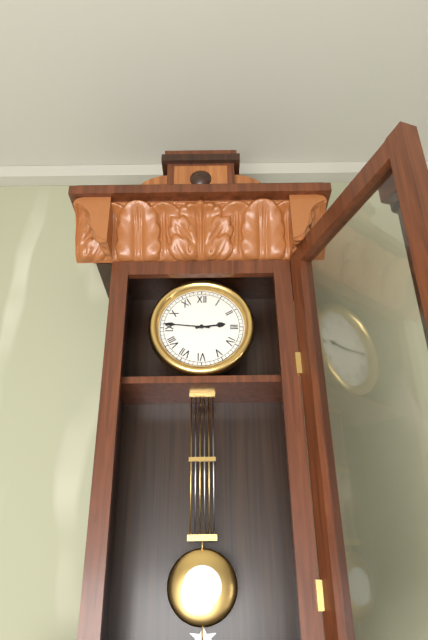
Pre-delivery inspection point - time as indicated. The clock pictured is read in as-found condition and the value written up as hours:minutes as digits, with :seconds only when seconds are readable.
2:46
